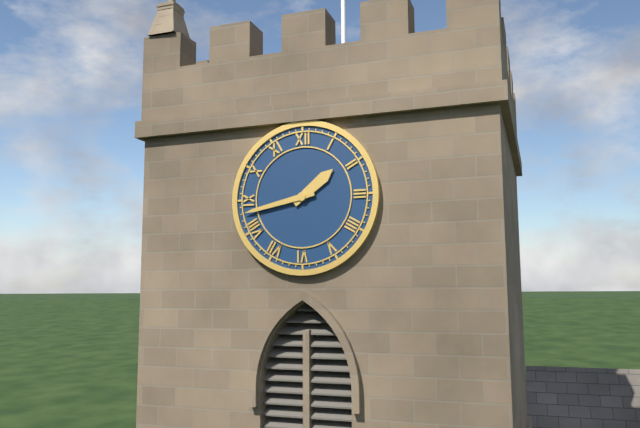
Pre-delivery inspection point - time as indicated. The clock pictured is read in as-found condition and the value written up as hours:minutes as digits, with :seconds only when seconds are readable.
1:43
